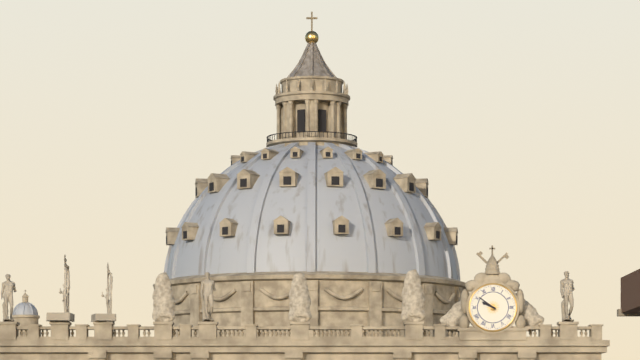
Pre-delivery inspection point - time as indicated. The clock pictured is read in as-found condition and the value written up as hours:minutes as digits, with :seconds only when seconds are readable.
9:51
